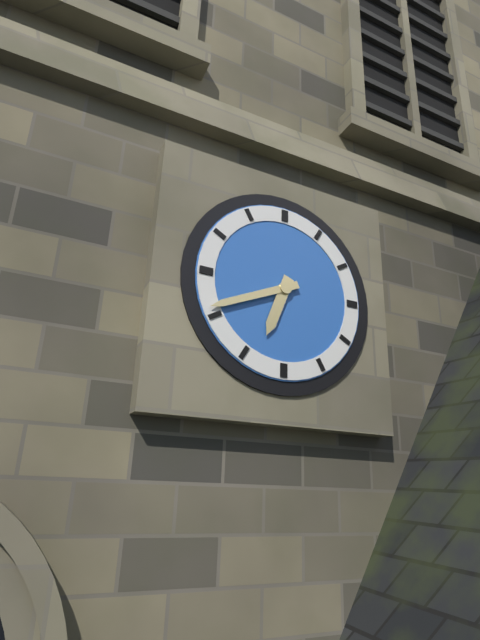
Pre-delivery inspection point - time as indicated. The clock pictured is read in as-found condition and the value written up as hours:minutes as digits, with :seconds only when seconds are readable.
6:41
